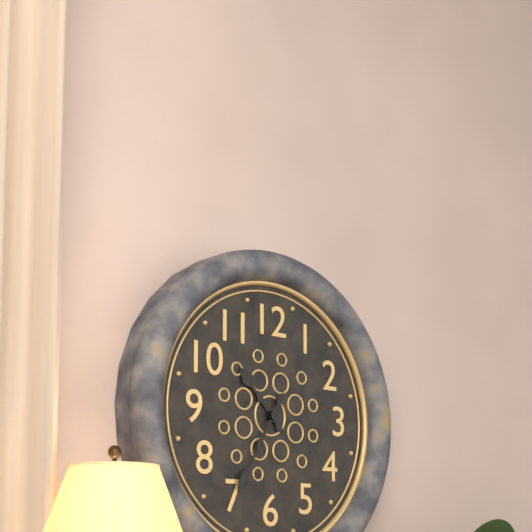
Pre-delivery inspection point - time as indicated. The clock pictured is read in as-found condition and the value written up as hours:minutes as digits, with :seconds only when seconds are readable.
10:35
